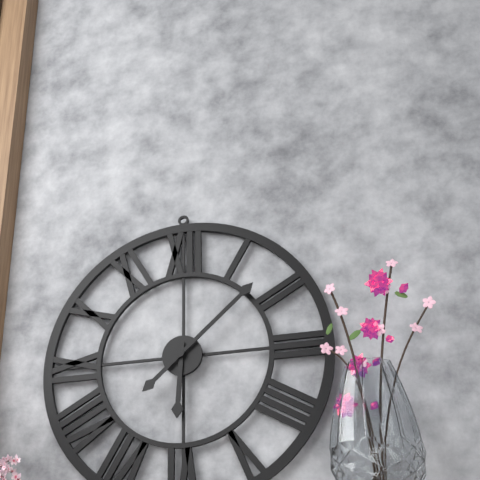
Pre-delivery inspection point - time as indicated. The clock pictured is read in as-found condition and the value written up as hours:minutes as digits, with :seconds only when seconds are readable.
6:08
